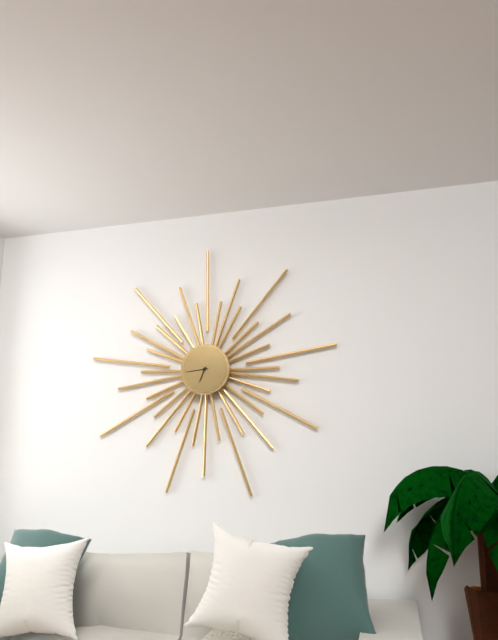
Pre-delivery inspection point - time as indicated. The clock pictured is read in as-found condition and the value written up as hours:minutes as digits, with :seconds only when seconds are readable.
6:44
